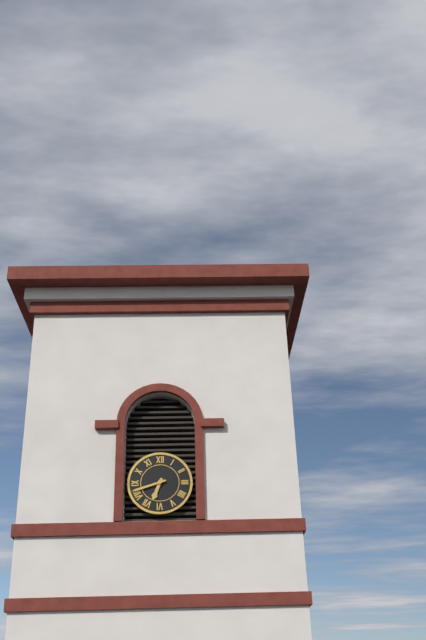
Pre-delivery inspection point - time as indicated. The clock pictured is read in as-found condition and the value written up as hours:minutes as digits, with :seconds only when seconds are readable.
6:42
